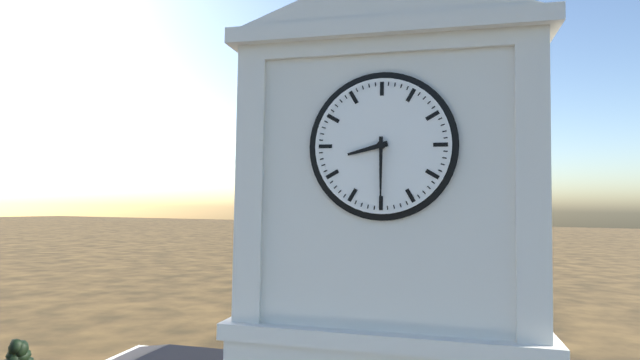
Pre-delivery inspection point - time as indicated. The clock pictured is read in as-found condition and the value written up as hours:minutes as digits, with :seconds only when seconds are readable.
8:30
